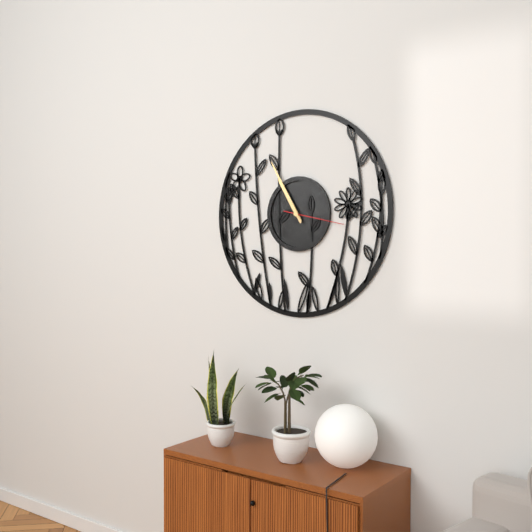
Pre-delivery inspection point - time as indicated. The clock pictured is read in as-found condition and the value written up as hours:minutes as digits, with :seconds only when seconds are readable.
10:55:17
